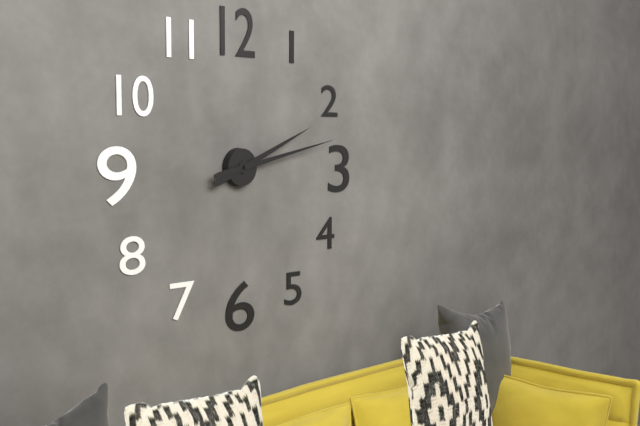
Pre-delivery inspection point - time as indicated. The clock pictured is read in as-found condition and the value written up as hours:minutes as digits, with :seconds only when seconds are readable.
2:13
